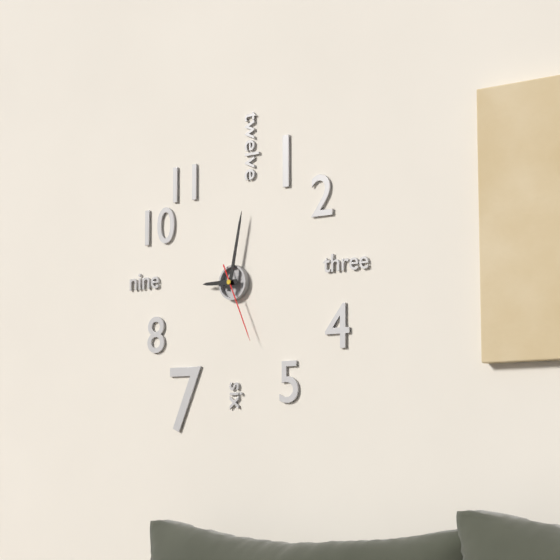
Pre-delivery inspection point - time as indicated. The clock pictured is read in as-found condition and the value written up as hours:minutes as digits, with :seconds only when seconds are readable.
9:02:26
